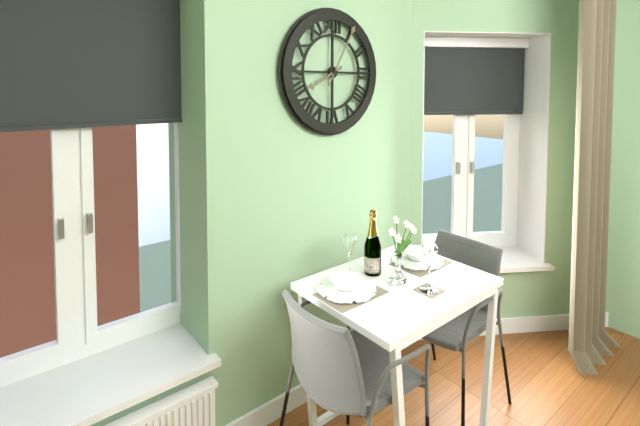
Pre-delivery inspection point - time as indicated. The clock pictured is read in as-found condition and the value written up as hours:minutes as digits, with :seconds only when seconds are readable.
8:05
